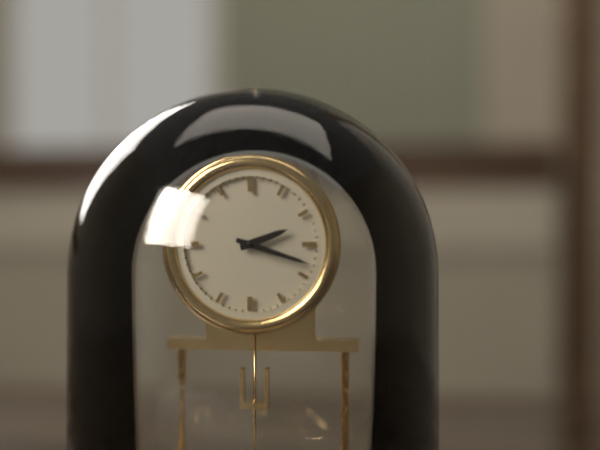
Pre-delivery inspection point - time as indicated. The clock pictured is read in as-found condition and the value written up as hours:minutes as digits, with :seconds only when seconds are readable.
2:18
